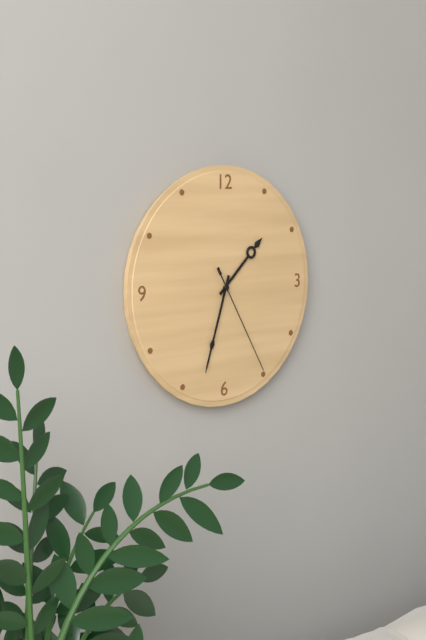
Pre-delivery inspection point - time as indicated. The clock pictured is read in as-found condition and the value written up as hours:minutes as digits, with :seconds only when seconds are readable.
1:33:25
